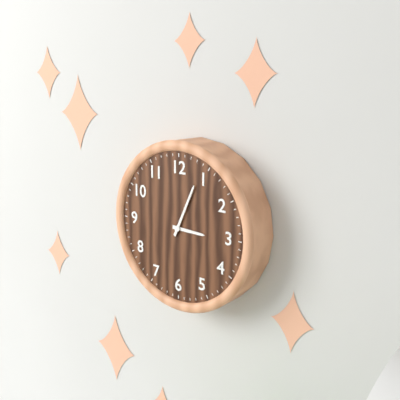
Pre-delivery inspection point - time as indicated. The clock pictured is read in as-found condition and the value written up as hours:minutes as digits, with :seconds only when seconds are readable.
3:04
